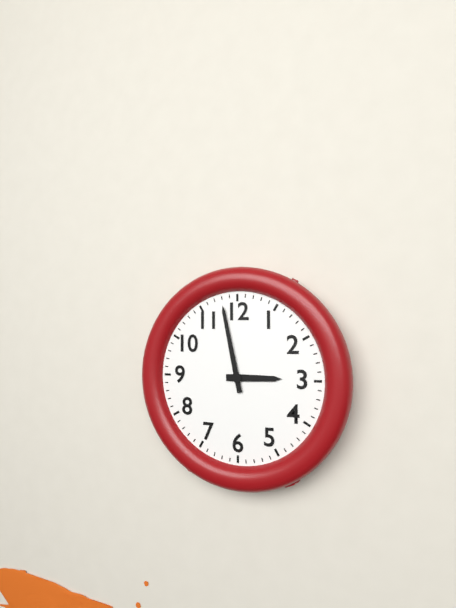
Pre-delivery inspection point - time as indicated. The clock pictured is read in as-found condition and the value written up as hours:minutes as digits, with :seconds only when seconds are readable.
2:58
